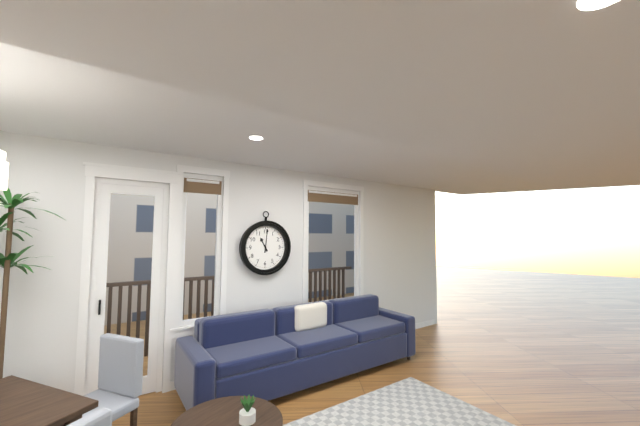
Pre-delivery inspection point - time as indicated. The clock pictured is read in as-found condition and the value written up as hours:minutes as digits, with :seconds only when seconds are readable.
11:01
